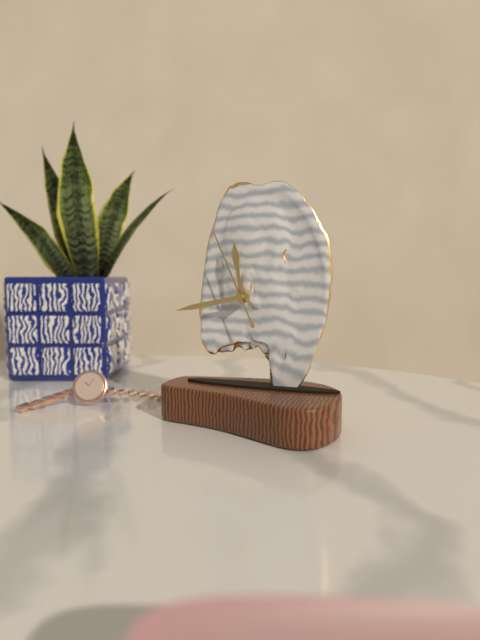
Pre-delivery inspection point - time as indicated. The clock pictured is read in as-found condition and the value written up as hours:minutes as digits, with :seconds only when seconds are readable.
11:43:56
